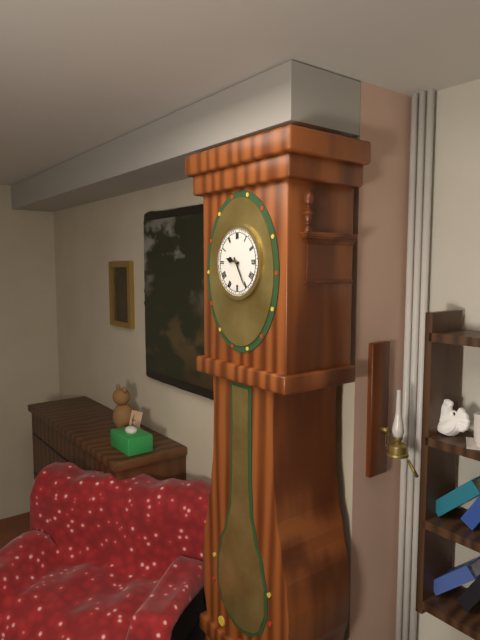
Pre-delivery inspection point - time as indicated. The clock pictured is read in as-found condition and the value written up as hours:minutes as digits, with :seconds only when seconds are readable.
9:25
